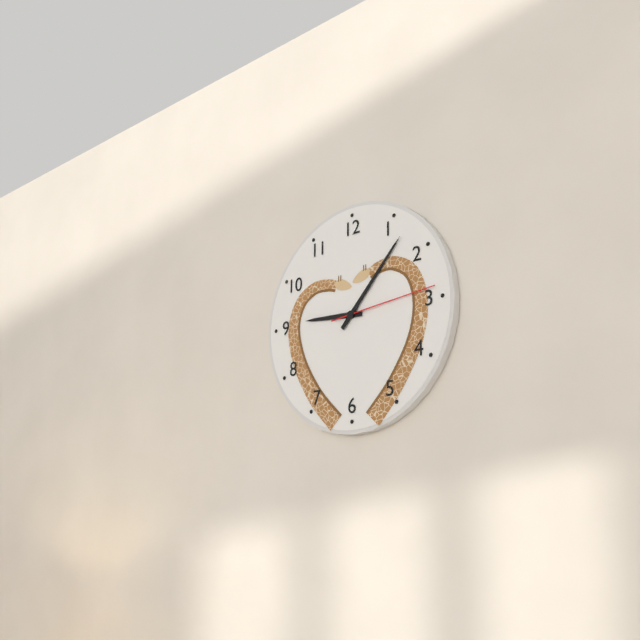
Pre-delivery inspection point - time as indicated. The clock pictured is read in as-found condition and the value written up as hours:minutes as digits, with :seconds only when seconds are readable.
9:07:14
